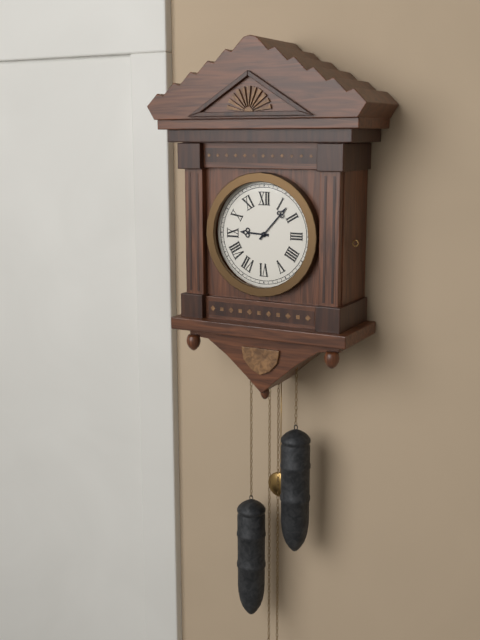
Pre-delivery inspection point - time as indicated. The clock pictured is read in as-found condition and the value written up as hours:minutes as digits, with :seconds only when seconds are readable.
9:07
